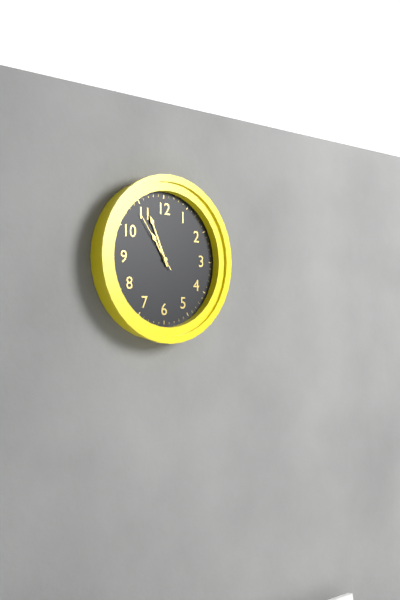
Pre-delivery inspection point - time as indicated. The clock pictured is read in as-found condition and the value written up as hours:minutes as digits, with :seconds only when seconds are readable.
10:56:54
